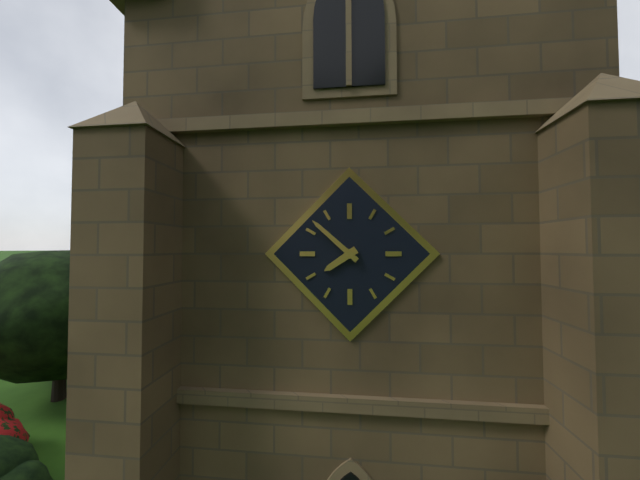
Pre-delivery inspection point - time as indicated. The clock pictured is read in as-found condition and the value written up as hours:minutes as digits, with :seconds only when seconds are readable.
7:52
